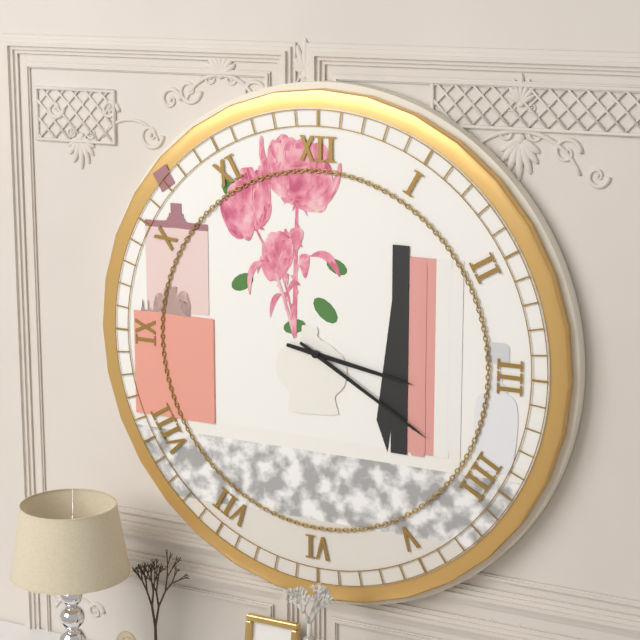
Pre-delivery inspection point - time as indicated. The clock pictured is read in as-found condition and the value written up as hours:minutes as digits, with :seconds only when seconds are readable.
3:20
